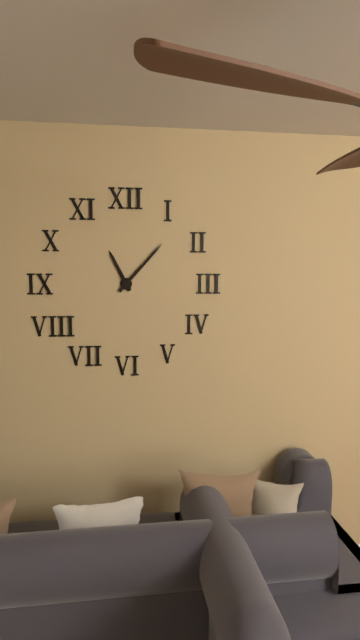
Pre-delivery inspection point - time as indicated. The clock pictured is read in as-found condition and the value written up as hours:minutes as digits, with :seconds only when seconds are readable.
11:07
